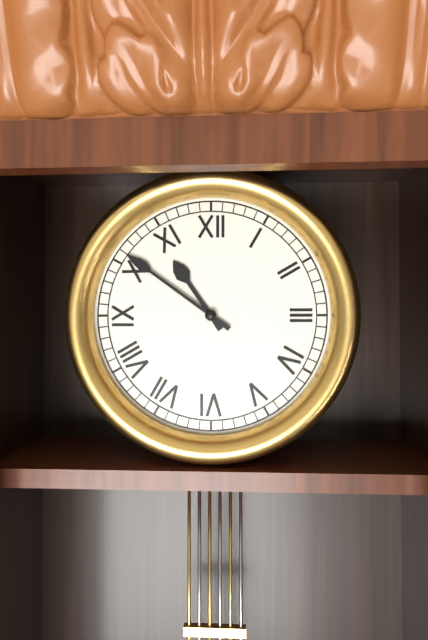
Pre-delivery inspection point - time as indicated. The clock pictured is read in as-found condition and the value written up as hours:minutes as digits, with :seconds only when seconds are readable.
10:51
